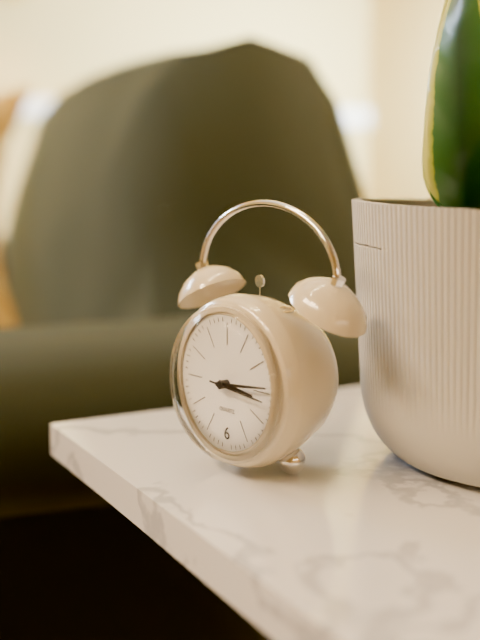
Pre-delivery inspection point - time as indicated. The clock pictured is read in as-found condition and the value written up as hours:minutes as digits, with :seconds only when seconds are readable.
3:14:16
